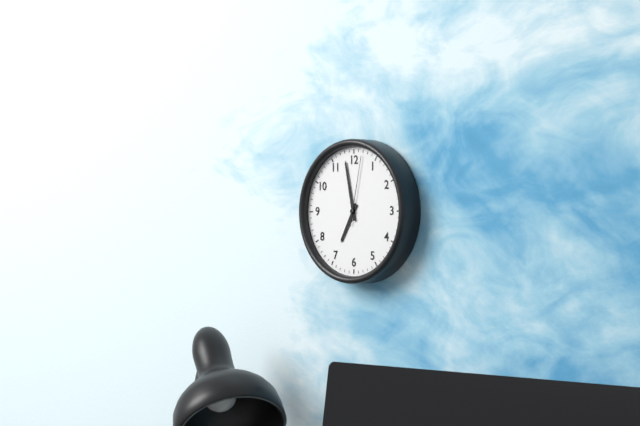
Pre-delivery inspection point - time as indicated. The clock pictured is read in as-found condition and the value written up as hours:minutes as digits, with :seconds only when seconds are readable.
6:58:02
